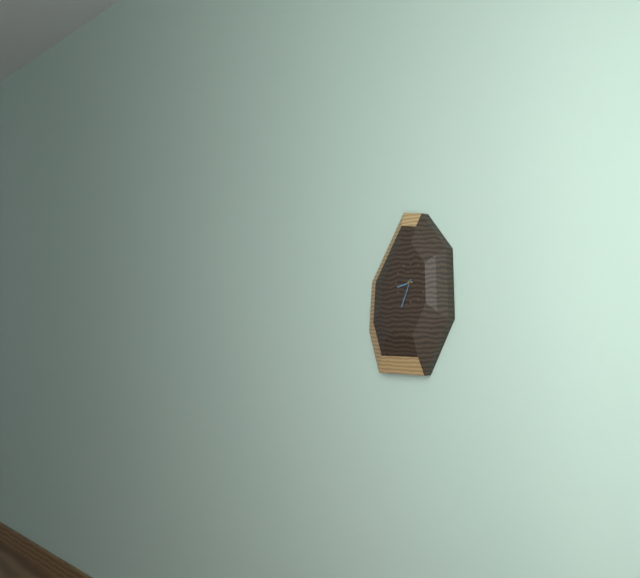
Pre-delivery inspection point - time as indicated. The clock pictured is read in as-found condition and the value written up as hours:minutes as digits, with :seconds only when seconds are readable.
8:34
